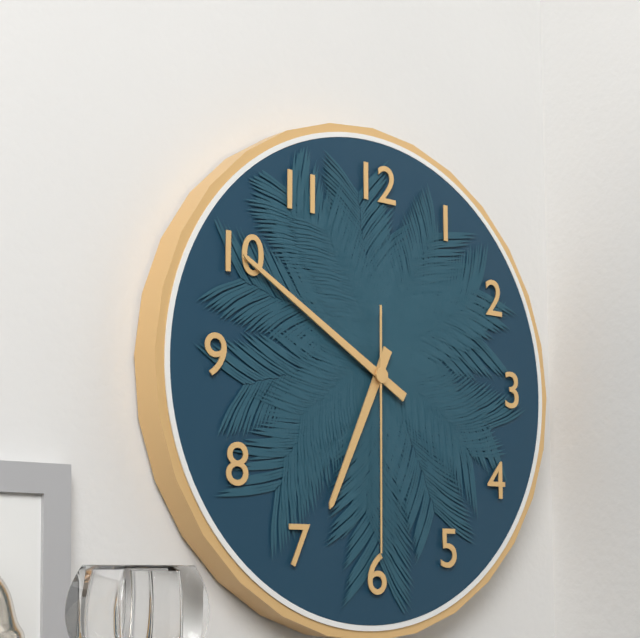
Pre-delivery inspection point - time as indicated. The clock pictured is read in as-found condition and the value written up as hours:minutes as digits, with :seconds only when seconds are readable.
6:50:30
